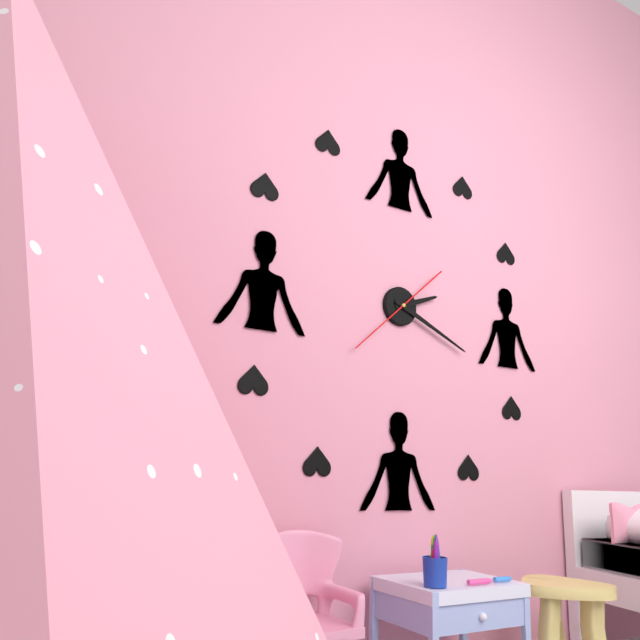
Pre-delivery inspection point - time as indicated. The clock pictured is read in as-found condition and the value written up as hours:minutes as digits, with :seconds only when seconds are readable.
2:19:38
